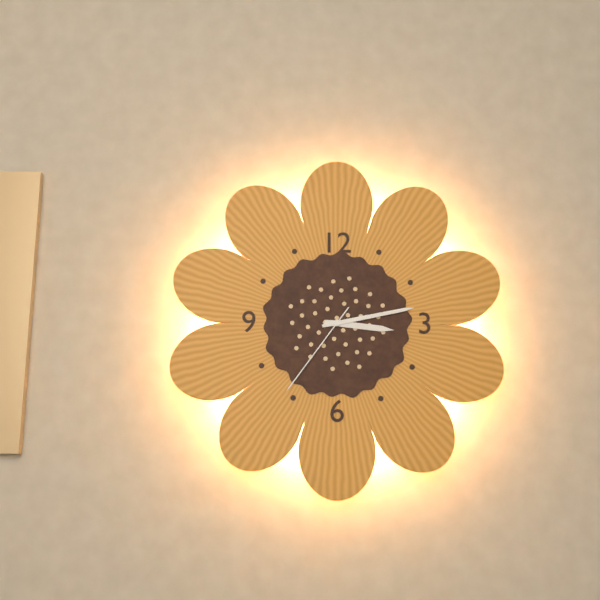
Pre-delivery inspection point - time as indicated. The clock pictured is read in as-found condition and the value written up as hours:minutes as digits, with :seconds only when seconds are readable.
3:13:36
